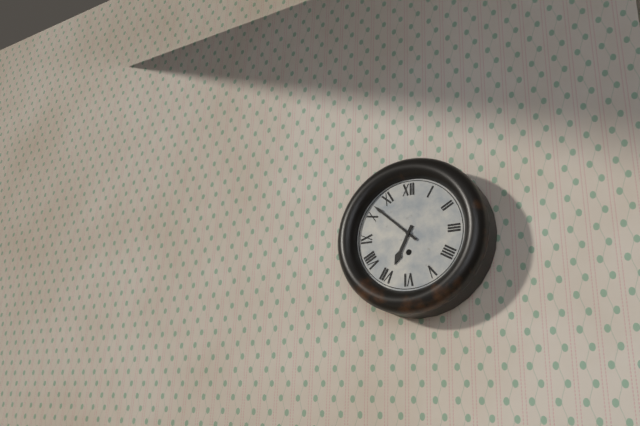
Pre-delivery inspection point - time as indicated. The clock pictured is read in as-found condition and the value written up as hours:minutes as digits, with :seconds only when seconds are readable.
6:52
